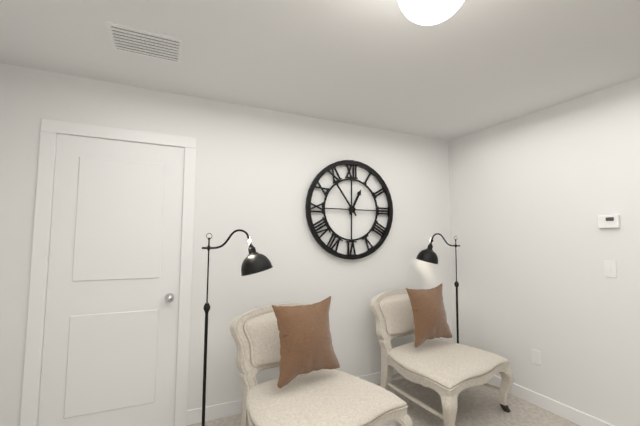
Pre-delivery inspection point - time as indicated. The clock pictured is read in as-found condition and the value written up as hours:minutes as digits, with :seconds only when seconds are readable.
12:54
